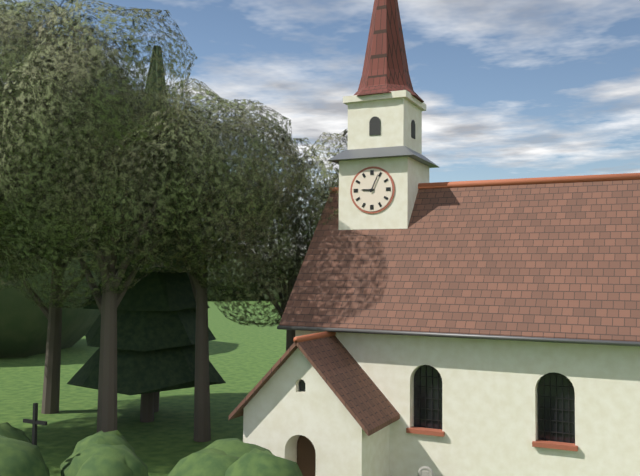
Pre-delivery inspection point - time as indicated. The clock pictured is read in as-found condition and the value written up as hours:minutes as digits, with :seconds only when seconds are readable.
9:04
